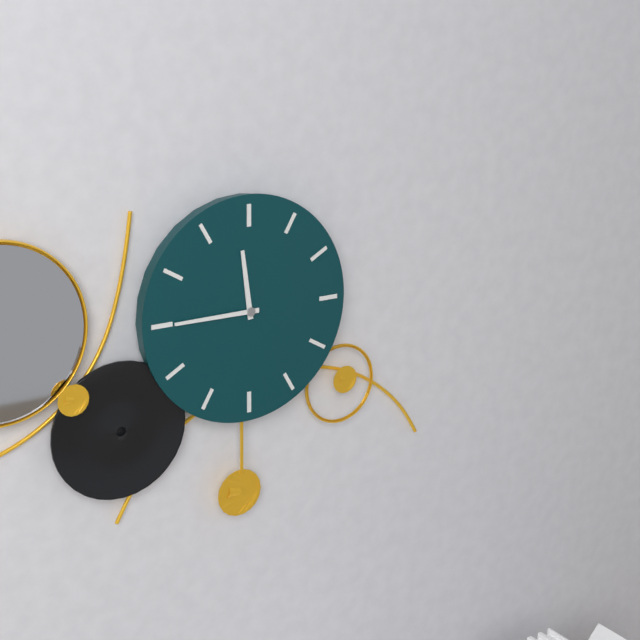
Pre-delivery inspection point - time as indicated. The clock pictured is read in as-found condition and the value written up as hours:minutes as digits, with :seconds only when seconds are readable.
11:45
